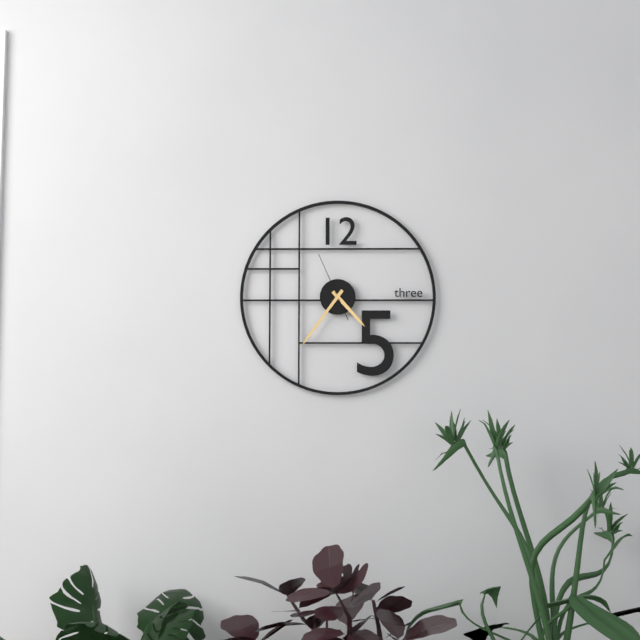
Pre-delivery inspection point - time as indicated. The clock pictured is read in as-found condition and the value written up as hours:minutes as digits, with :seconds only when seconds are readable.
4:36:56
